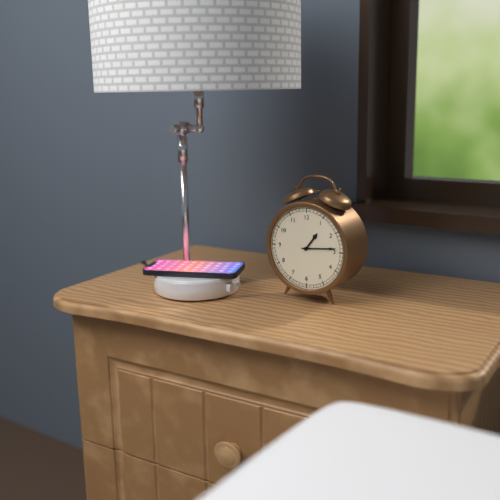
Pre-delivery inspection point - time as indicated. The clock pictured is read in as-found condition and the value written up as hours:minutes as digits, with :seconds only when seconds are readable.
1:14
